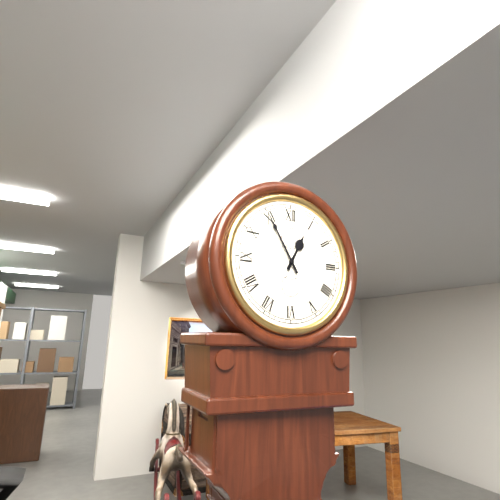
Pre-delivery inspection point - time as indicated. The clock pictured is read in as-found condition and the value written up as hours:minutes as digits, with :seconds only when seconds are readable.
12:55
